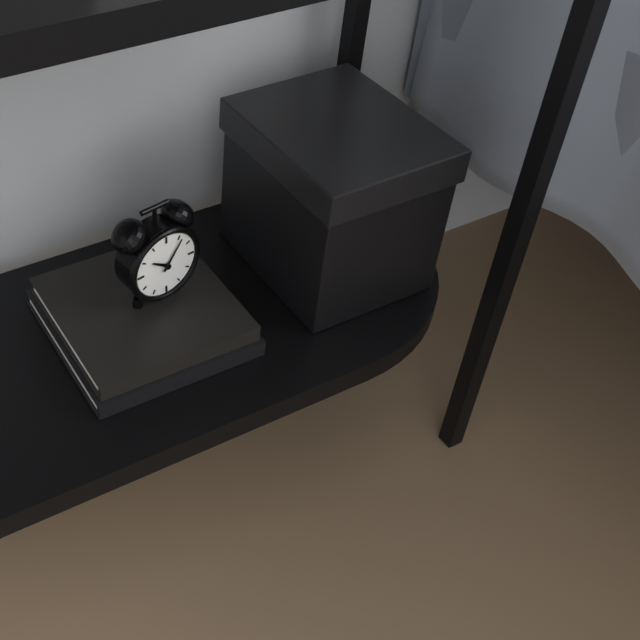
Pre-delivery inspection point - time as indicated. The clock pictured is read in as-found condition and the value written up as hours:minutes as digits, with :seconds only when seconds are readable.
10:06
